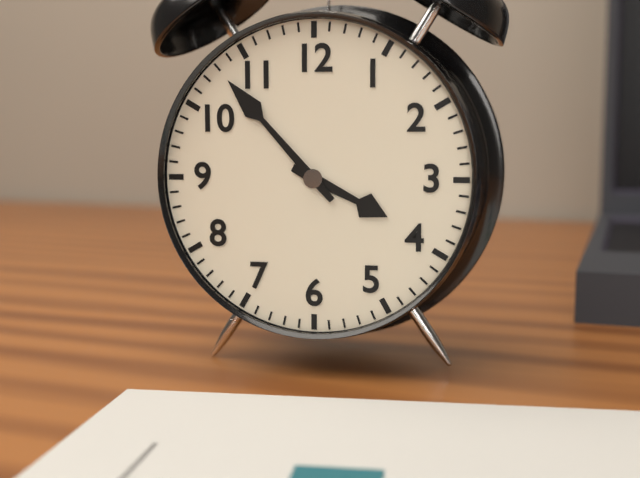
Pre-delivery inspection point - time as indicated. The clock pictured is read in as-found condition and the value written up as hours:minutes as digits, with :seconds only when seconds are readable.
3:53
